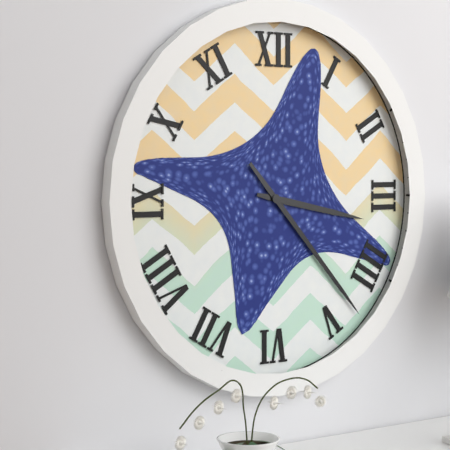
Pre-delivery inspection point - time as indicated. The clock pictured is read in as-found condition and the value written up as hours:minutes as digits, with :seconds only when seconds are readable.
3:23
